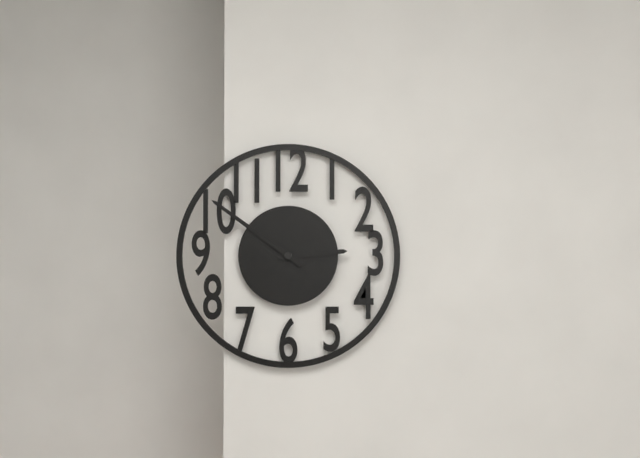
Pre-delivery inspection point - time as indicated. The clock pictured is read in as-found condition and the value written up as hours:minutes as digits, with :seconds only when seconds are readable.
2:51
